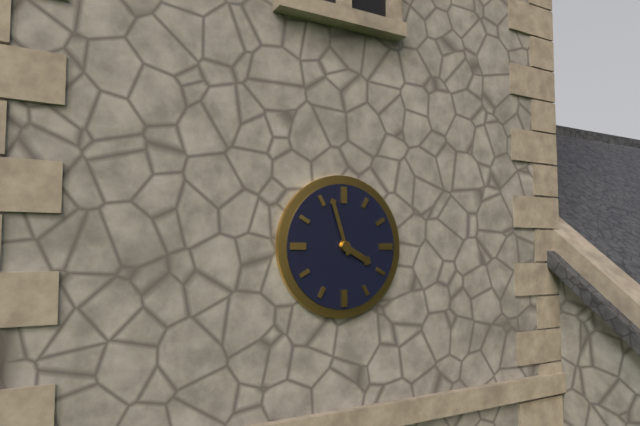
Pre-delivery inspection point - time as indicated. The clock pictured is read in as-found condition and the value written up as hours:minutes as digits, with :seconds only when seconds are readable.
3:57
